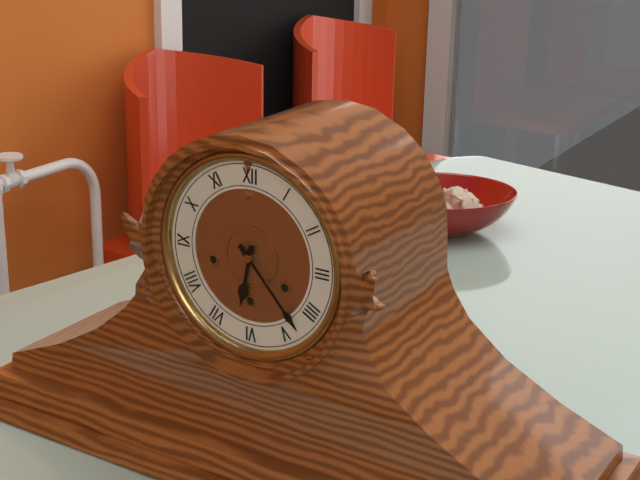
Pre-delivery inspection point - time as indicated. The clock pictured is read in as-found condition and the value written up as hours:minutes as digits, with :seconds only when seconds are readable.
6:23
